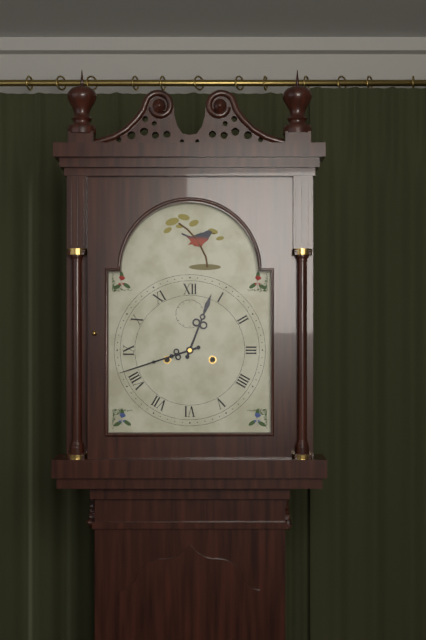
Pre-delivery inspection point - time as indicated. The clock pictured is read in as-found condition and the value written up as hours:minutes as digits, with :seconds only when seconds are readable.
12:42
